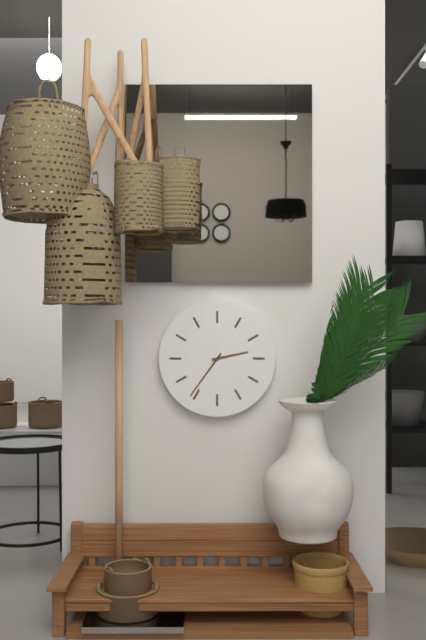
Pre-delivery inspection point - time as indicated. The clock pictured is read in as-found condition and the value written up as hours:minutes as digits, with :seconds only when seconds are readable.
2:36
